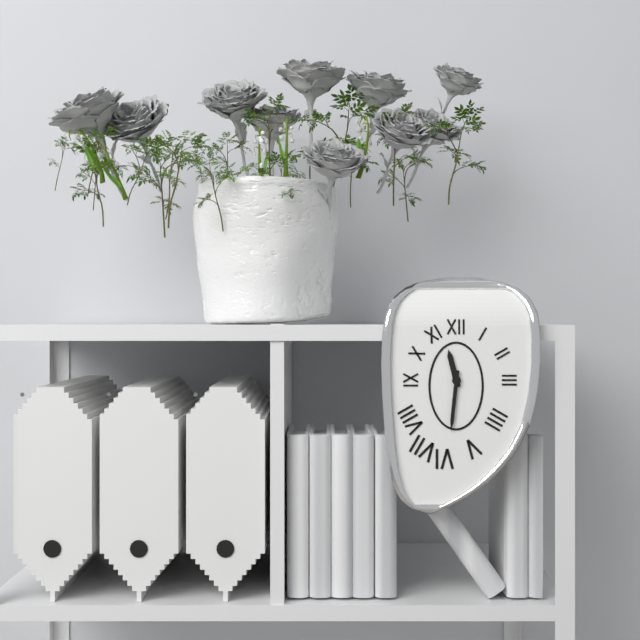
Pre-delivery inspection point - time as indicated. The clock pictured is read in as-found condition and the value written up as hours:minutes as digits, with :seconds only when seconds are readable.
11:31
